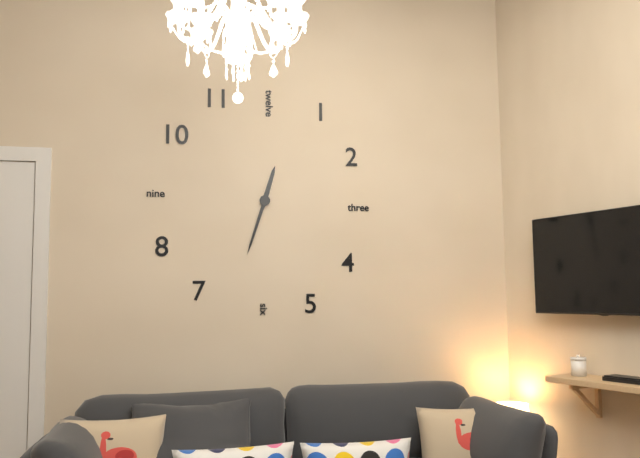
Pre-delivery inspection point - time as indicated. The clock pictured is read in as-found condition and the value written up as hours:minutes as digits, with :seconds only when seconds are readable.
12:33
